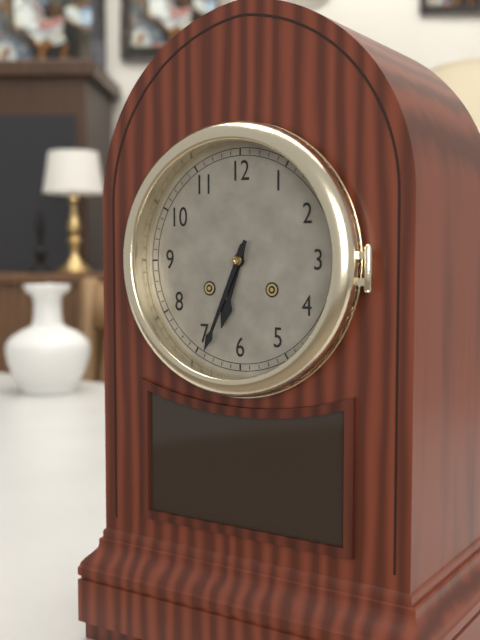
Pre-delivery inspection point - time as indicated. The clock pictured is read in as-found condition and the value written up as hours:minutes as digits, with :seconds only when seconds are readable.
6:34
